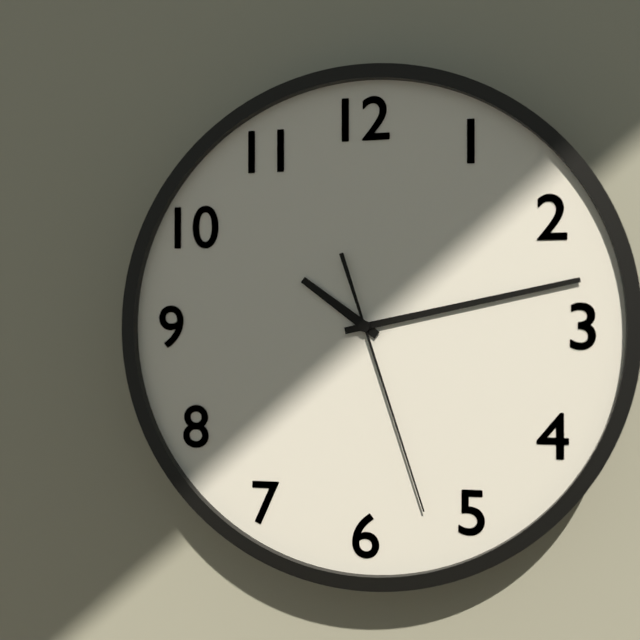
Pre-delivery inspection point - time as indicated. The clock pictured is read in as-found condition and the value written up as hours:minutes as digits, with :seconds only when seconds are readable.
10:13:27
